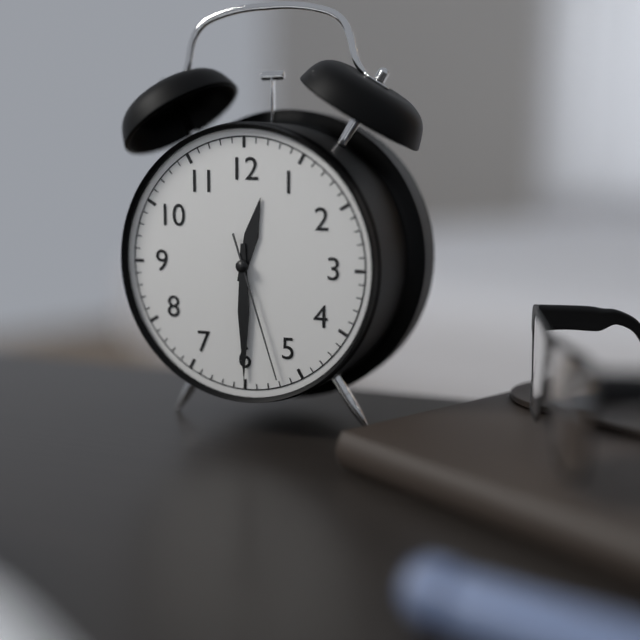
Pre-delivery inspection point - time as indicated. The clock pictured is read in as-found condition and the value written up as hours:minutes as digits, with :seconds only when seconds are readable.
12:30:27
